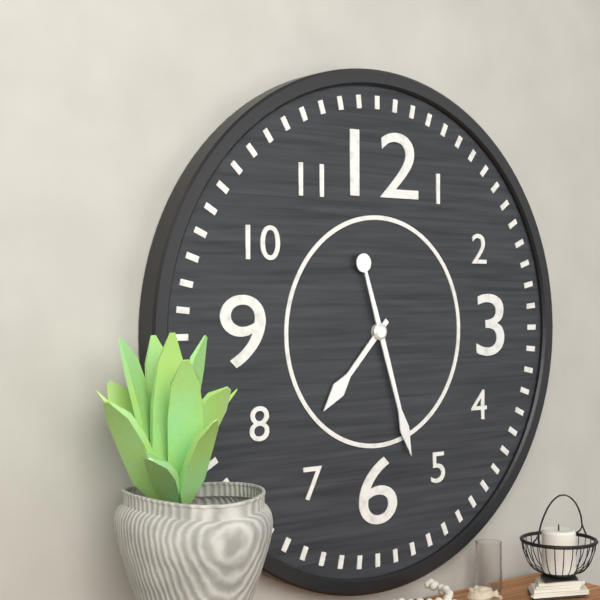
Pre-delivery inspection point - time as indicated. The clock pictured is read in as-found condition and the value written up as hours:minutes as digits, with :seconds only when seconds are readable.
7:27
